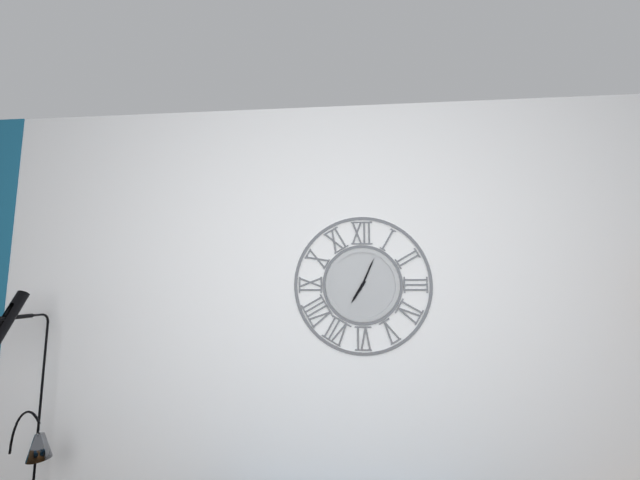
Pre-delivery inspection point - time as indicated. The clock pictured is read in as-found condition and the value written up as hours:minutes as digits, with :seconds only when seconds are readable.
7:04
